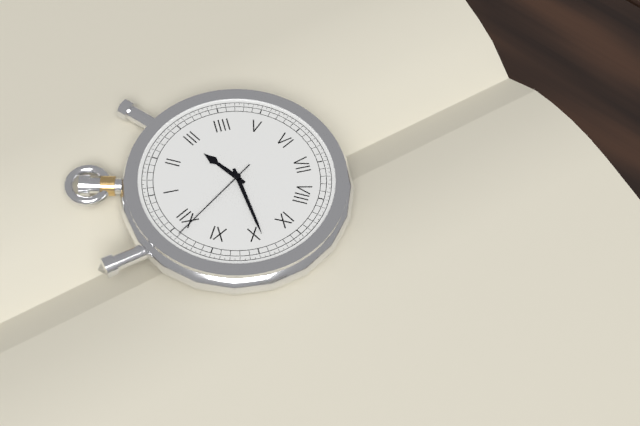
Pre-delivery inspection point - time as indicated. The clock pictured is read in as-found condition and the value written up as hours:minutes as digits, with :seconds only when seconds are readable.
2:49:59
